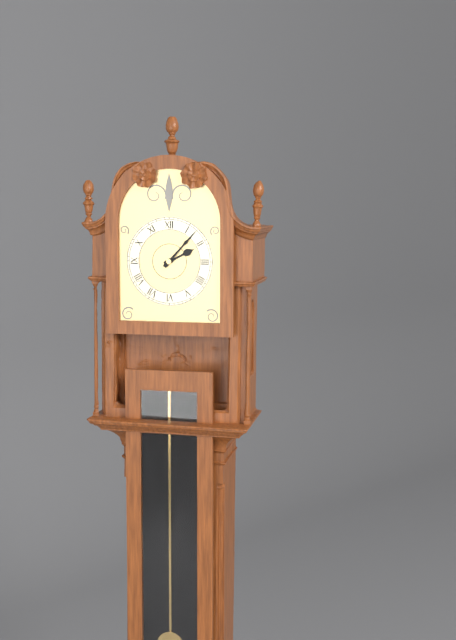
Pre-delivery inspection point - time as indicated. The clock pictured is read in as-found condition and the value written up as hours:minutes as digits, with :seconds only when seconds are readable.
2:07
